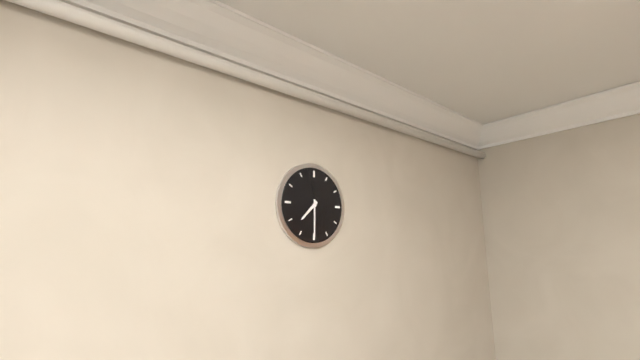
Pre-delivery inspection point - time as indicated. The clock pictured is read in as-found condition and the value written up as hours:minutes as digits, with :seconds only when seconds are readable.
7:30
